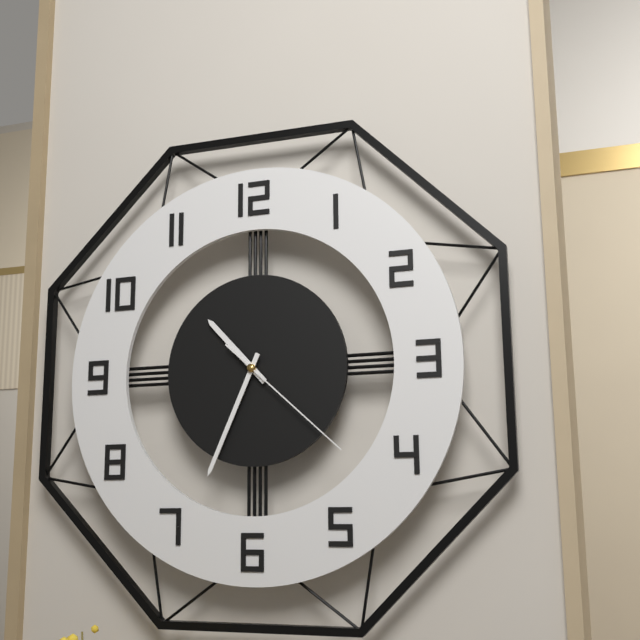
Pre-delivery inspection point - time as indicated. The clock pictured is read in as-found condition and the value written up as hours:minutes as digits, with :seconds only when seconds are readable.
10:34:22
